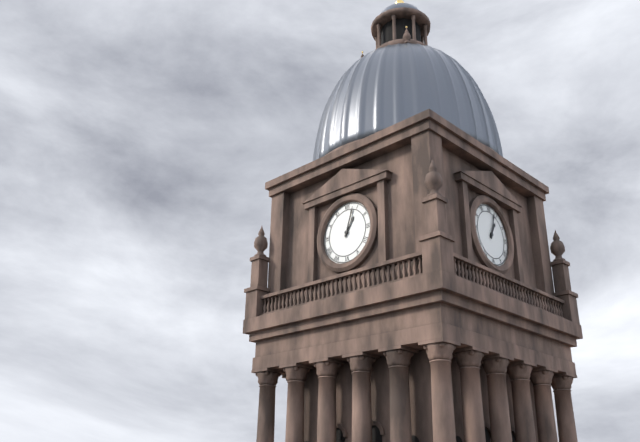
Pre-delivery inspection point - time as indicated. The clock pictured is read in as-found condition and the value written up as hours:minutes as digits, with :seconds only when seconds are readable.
1:03
